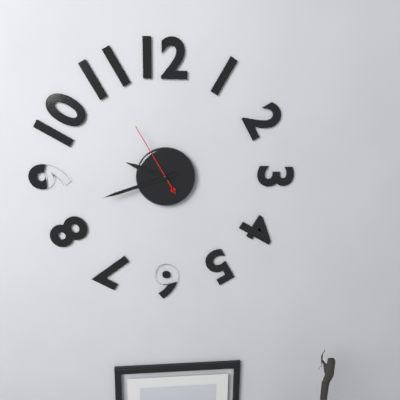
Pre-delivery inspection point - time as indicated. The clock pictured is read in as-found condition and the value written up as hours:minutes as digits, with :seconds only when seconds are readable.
9:42:55
